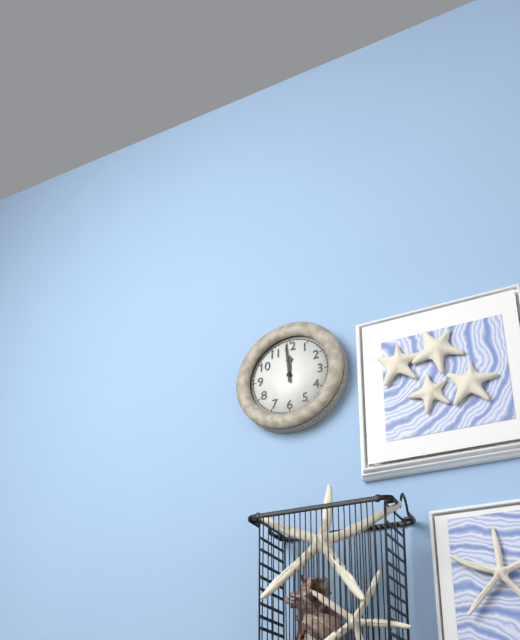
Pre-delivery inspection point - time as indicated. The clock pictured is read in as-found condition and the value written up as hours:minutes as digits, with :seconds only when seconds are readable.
11:59
